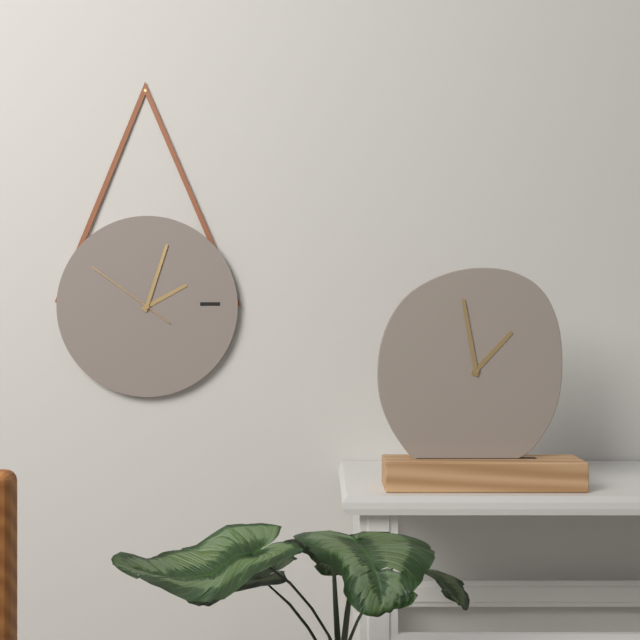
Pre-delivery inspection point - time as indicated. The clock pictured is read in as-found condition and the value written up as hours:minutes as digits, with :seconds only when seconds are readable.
2:03:51
